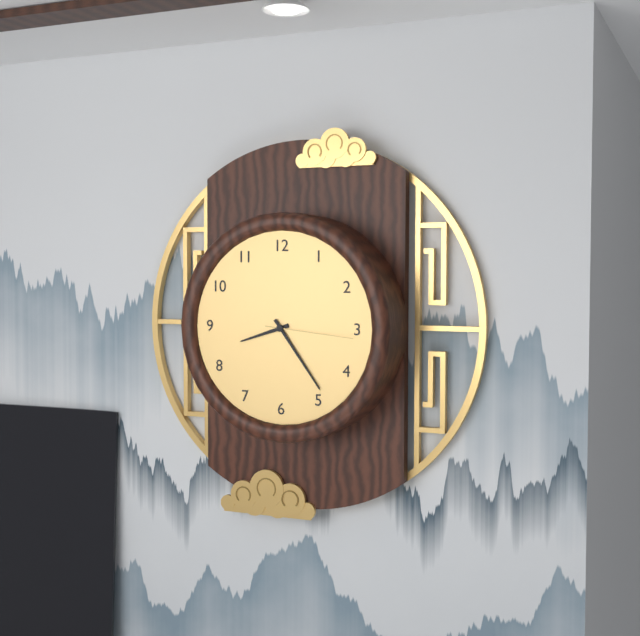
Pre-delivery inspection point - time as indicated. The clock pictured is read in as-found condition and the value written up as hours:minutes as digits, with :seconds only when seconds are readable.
8:24:16
